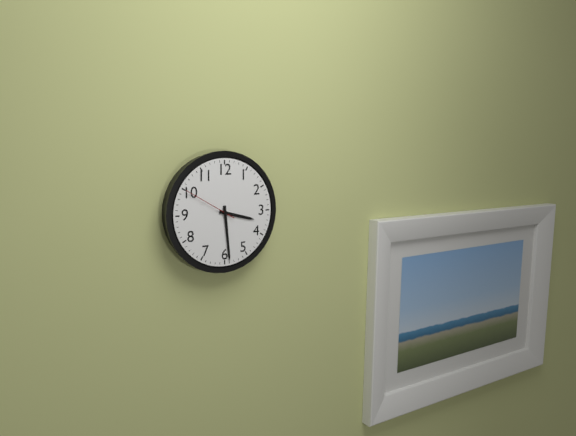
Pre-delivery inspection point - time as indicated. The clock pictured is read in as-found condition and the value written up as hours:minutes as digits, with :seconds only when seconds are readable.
3:29:50
